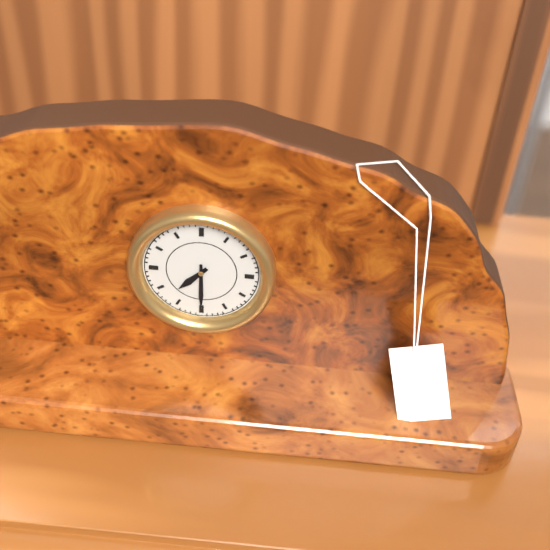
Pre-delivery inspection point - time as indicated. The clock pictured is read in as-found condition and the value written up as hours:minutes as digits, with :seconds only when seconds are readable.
7:30
